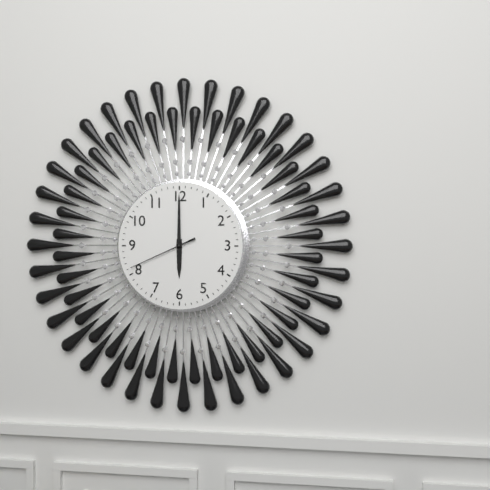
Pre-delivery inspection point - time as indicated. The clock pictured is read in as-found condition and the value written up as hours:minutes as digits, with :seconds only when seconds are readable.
6:00:41
